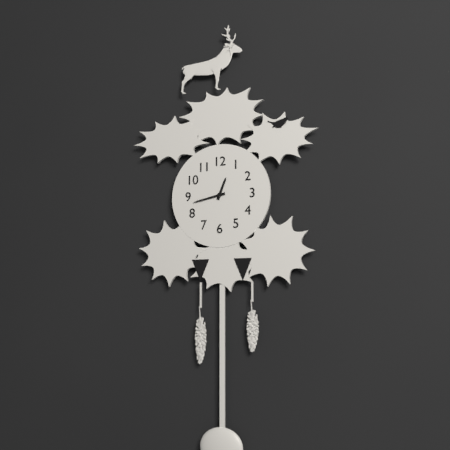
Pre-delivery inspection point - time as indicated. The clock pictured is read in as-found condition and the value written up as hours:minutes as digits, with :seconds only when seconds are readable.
12:43
